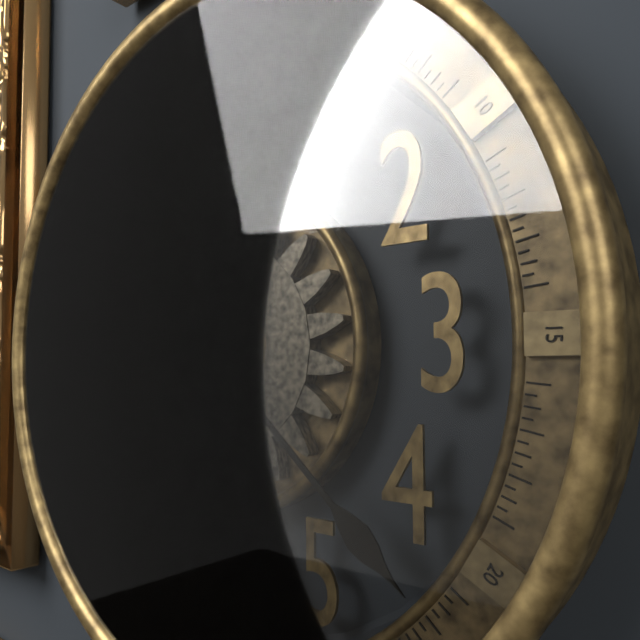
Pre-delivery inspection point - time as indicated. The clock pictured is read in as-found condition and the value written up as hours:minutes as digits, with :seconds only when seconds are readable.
11:22
